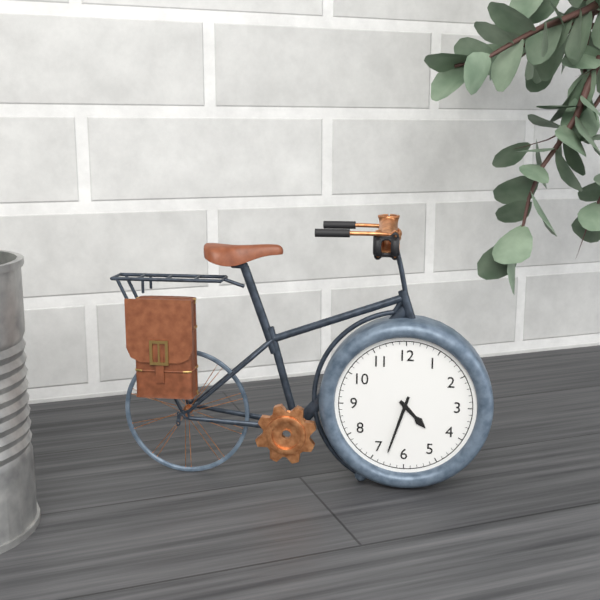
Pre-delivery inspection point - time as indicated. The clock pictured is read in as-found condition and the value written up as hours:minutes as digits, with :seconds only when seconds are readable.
4:33
